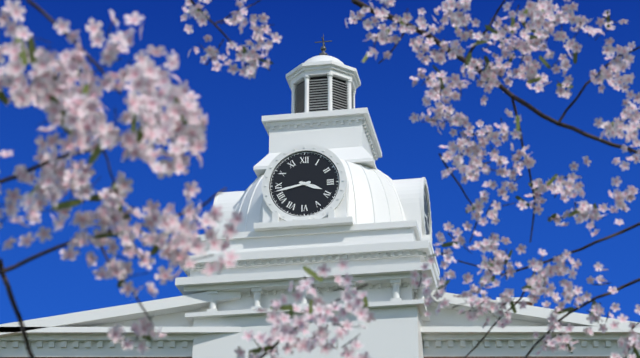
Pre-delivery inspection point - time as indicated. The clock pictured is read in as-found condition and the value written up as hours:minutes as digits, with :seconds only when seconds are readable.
3:43
